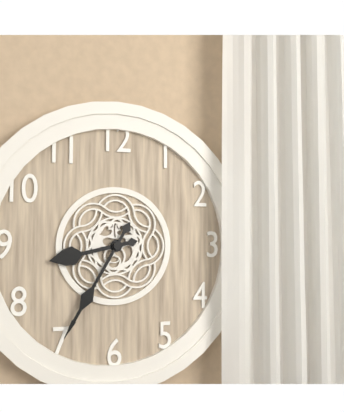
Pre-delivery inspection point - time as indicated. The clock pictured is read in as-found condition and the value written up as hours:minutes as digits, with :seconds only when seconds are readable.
8:35
